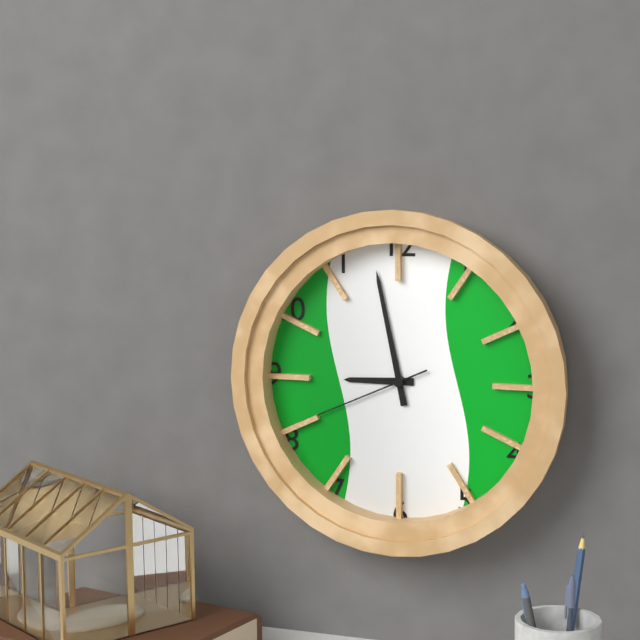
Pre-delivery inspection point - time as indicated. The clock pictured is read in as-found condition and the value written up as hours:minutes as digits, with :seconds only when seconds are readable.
8:58:41
